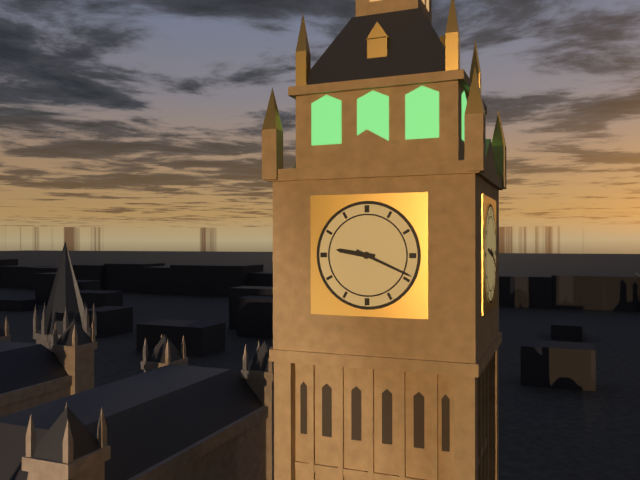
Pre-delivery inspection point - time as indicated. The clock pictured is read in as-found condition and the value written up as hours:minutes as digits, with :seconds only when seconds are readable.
9:19
